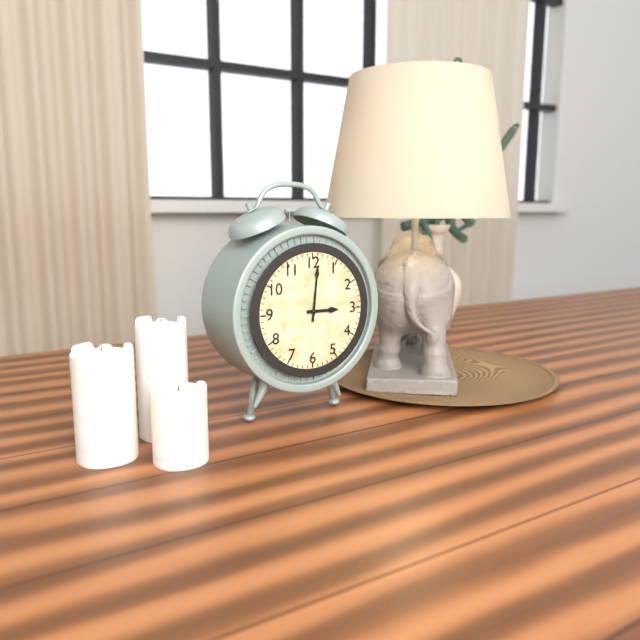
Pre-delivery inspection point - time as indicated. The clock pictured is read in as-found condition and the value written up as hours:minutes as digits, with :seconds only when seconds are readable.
3:01
